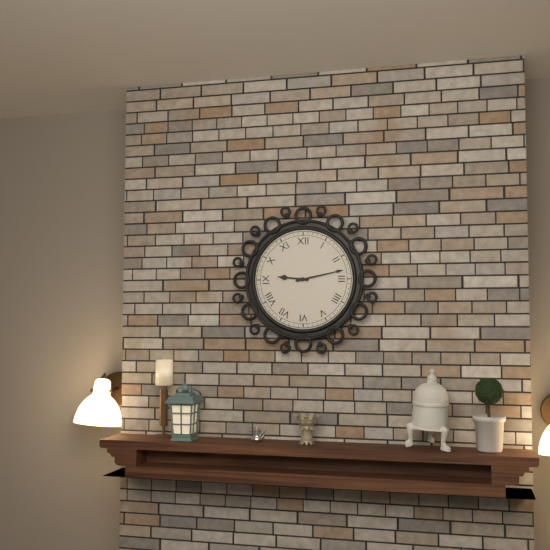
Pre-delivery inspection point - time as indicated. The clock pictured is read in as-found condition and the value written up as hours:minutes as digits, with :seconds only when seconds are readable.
9:13
